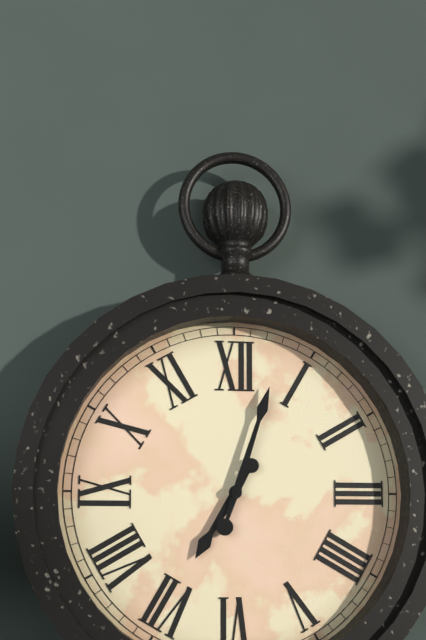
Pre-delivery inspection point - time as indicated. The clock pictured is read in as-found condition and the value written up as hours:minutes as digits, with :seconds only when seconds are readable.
7:03
